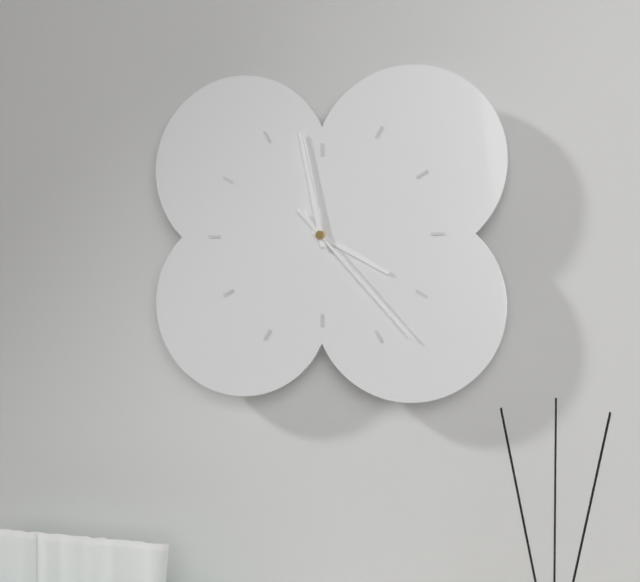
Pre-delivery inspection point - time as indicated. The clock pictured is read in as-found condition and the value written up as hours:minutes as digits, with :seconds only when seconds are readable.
3:58:23
